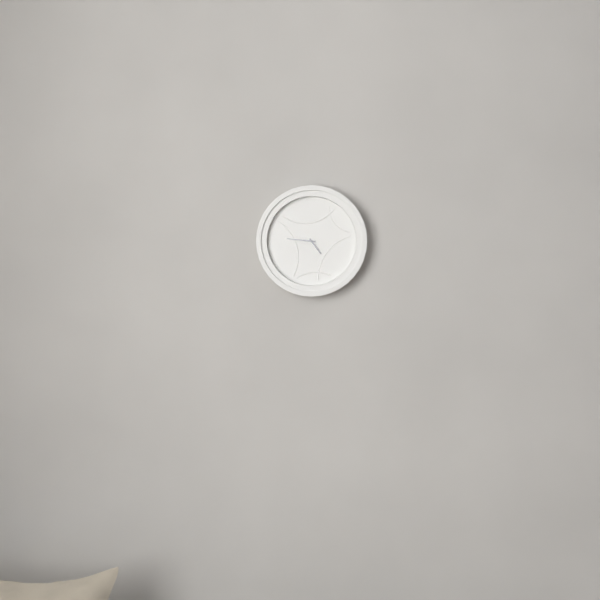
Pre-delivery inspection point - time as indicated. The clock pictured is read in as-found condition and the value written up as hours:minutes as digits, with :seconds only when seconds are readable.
4:46
